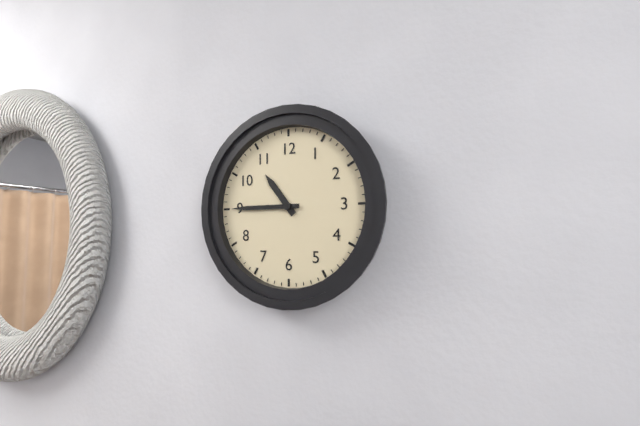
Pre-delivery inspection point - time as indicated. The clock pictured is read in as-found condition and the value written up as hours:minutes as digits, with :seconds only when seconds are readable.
10:45
